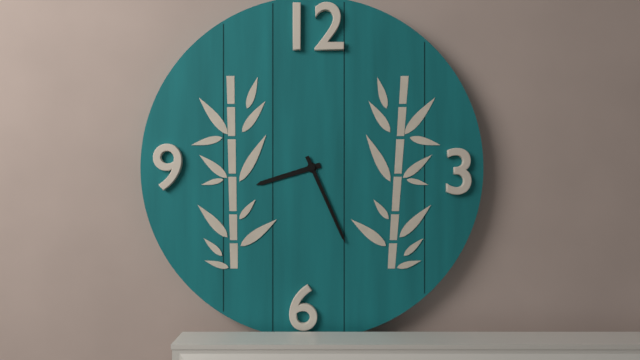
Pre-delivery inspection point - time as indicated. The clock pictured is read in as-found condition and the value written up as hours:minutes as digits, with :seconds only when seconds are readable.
8:26
